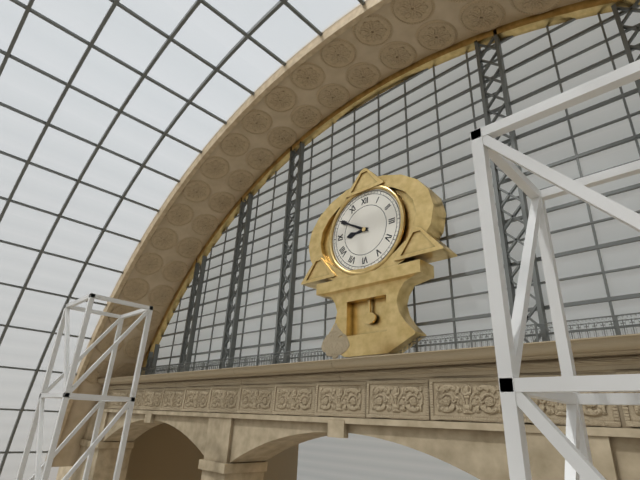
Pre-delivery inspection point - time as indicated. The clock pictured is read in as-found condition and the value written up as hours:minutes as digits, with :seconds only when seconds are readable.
8:50
